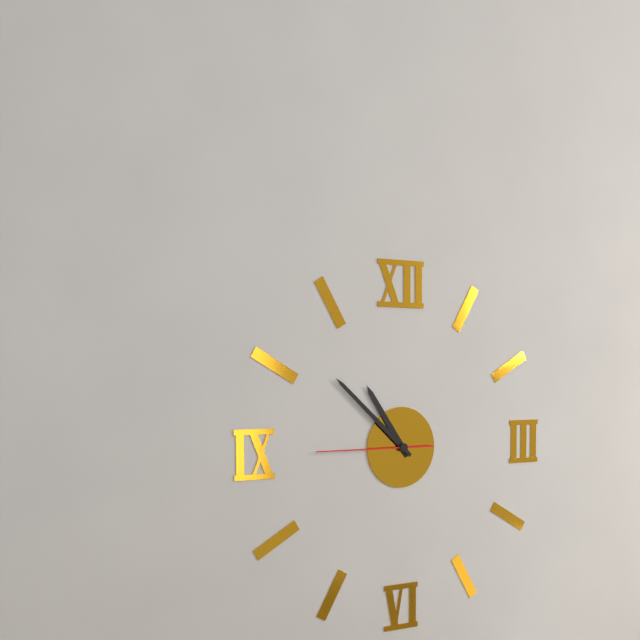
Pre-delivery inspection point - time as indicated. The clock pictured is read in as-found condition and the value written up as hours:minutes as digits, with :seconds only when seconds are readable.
10:52:45
